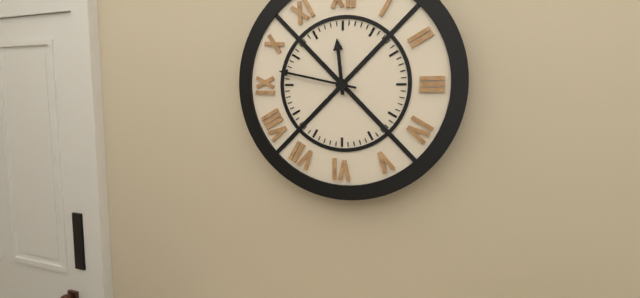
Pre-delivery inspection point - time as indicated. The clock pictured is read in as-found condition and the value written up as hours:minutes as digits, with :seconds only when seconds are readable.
11:47
